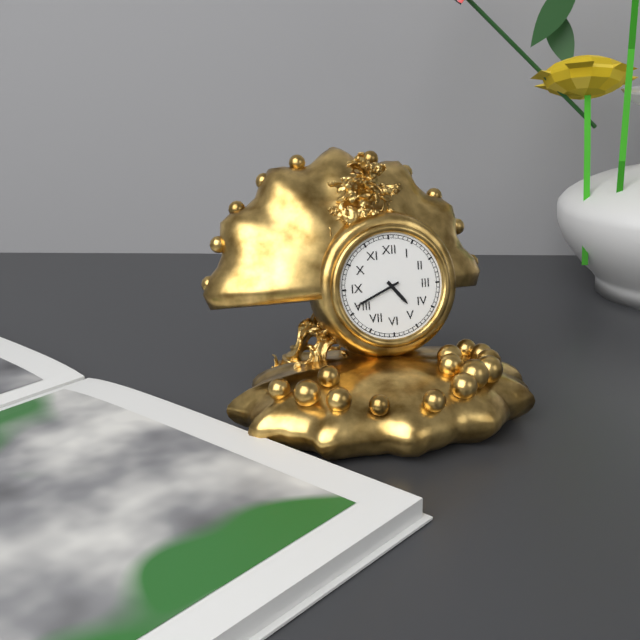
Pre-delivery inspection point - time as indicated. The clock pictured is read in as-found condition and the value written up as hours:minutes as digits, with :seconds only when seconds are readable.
4:41
